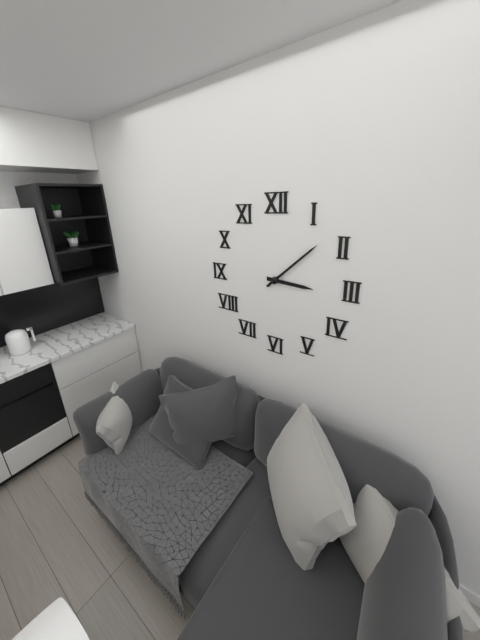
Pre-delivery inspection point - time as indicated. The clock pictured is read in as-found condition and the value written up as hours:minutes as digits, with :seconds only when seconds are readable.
3:08
